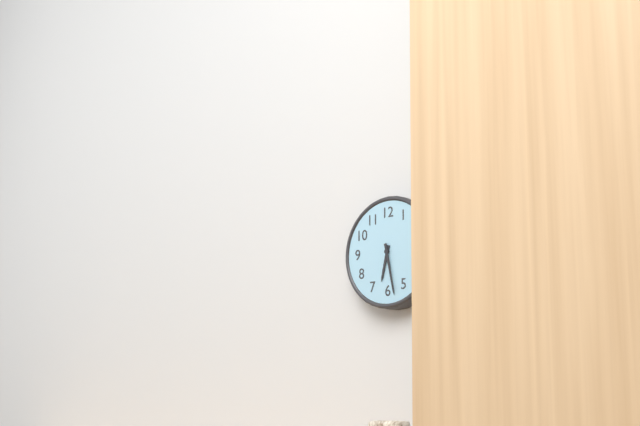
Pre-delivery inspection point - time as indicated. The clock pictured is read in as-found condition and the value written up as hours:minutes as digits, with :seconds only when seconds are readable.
6:28
